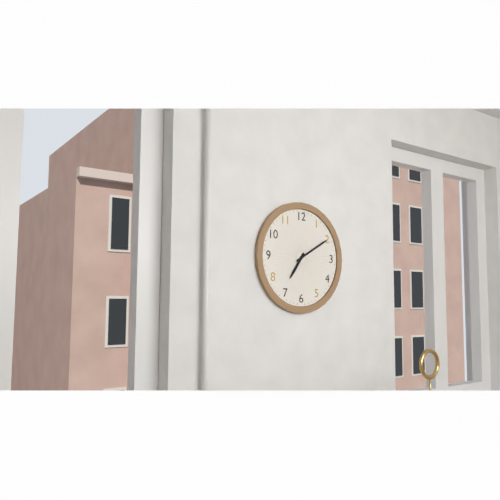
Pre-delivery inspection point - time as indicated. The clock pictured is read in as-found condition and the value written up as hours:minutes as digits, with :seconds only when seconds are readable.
7:10
